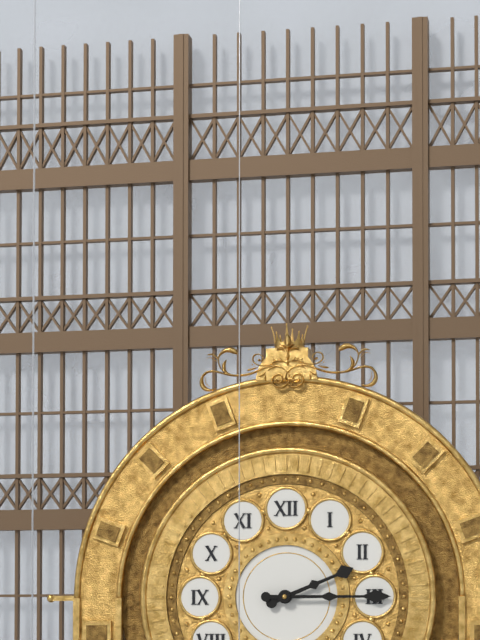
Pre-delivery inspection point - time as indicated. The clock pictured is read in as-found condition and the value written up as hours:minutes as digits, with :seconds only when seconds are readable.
2:15
